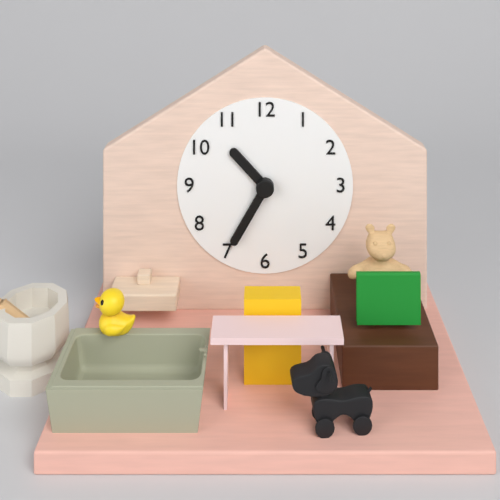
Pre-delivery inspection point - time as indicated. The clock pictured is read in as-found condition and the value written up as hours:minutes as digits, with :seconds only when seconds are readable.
10:35
